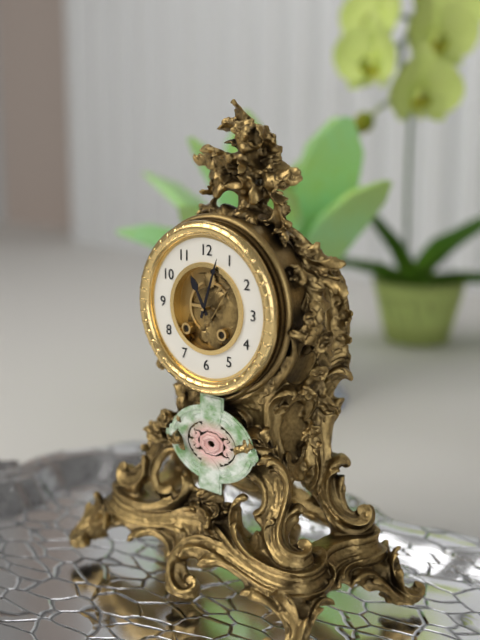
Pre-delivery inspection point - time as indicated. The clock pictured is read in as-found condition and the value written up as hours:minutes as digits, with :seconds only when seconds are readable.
11:03
